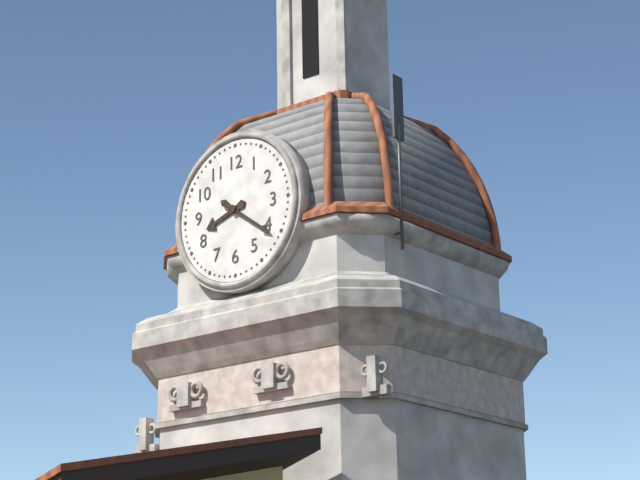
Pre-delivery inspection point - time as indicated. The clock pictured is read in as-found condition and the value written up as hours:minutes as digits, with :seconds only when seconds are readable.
8:21
